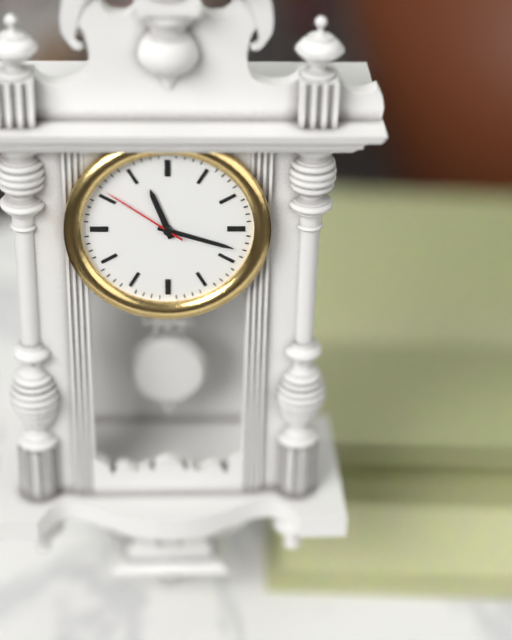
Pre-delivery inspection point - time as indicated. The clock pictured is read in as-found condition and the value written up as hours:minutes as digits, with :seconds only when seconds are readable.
11:18:51
